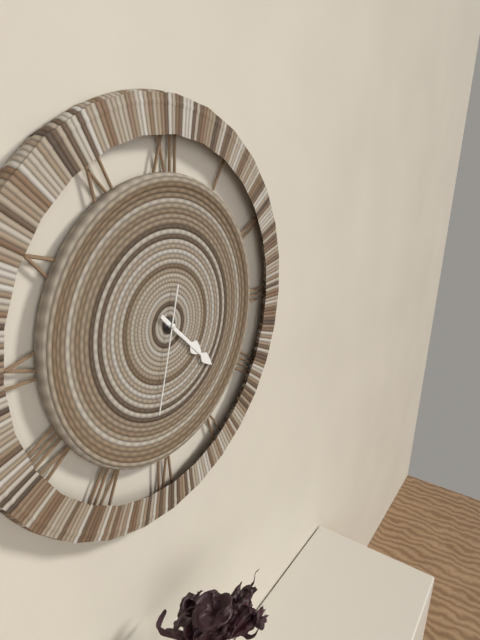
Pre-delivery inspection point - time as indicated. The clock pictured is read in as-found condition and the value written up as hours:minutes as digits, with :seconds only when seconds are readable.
4:22:32
